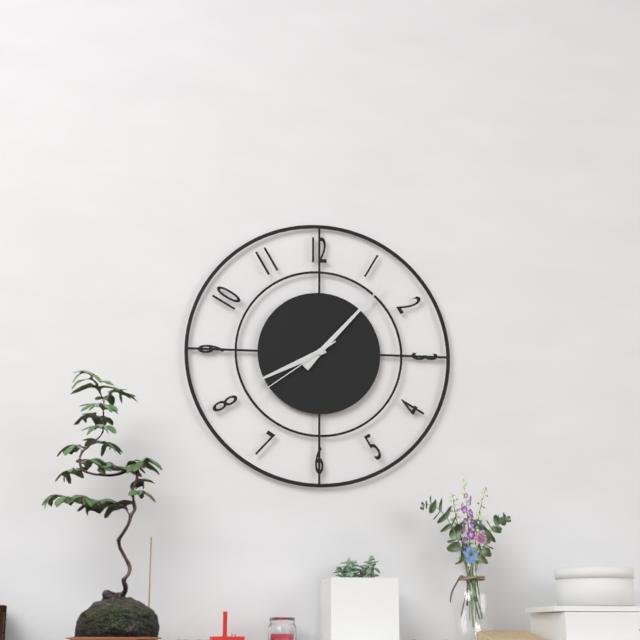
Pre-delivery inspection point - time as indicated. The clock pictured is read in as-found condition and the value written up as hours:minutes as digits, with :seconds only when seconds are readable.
8:07:39
